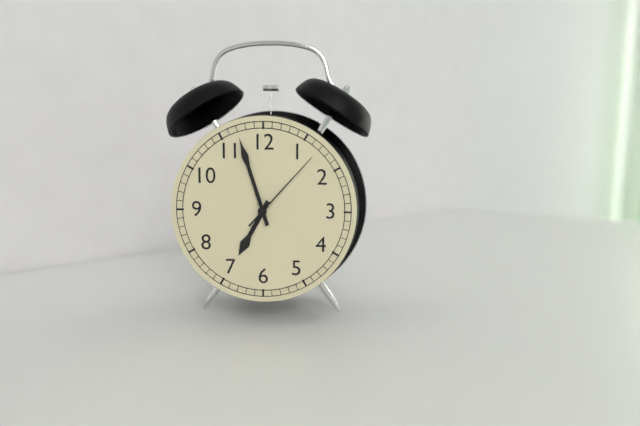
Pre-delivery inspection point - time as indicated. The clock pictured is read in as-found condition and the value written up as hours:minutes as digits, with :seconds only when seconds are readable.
6:57:07
